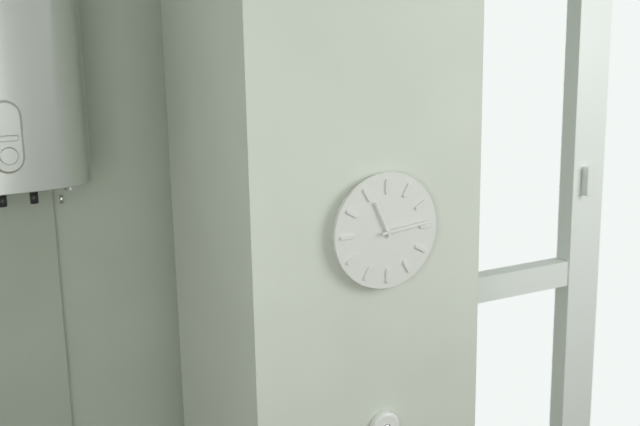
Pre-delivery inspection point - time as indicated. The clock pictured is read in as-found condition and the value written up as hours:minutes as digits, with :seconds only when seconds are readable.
11:14
